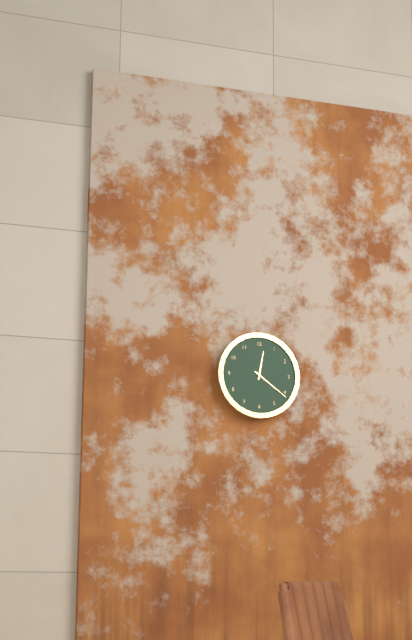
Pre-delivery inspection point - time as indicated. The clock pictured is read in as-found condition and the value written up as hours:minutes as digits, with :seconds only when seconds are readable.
12:21
